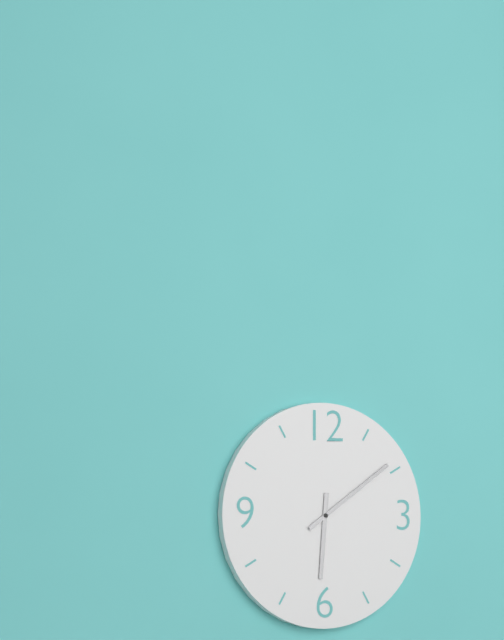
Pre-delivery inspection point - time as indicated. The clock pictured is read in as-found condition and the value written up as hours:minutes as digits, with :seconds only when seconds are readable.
6:09
